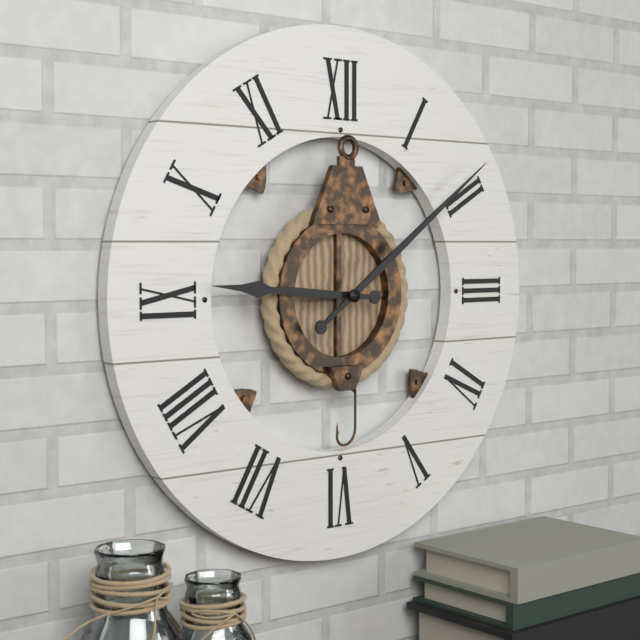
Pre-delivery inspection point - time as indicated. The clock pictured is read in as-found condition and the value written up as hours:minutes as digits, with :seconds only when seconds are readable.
9:09
